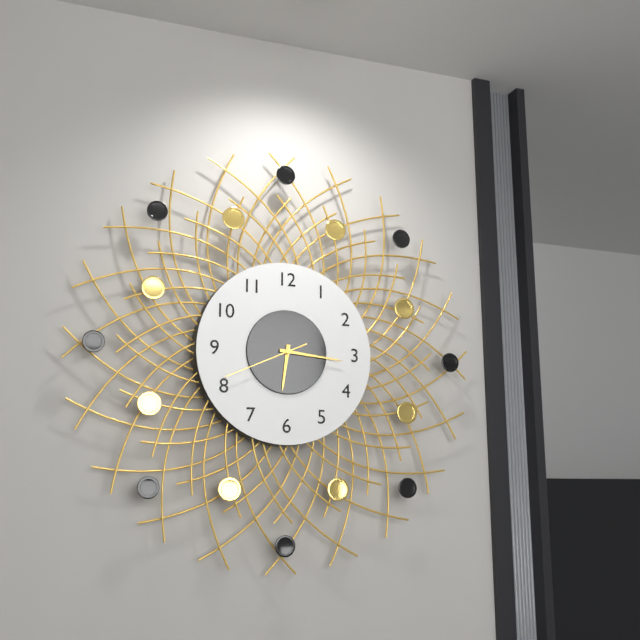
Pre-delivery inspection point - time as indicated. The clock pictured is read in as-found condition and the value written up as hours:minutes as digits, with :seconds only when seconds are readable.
6:16:41
